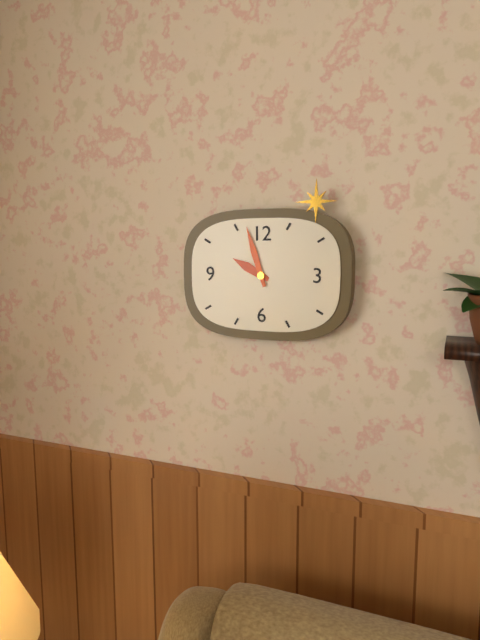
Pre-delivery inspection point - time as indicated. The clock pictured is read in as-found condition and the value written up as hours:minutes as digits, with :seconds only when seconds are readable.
9:57
